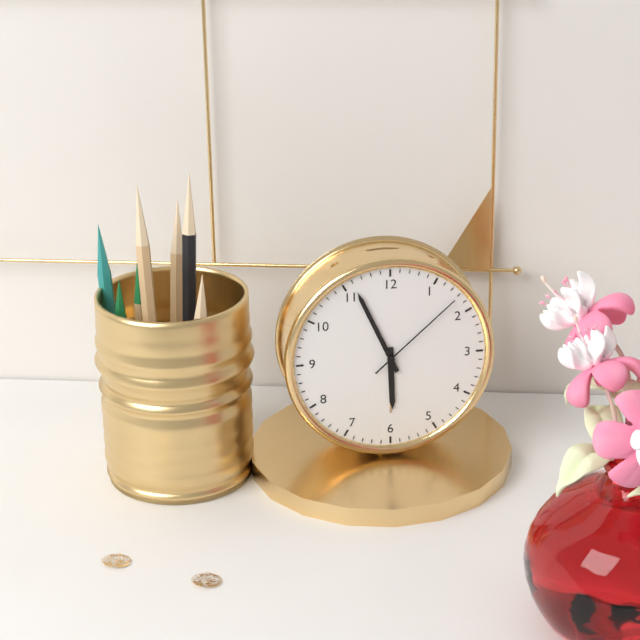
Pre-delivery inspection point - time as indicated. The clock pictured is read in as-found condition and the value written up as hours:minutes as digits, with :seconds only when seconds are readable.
5:56:08
